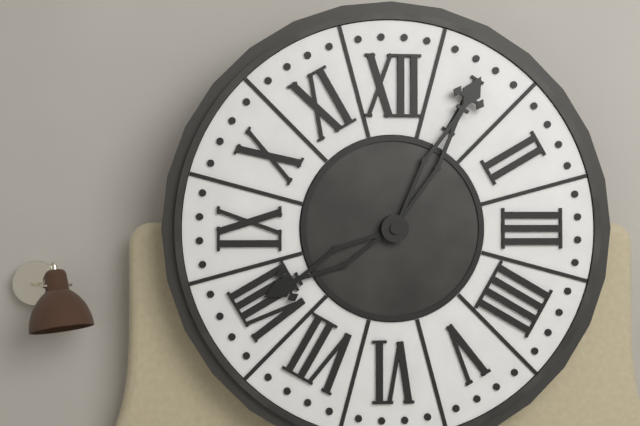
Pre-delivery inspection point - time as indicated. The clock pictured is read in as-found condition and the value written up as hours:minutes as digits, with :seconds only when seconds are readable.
8:05
